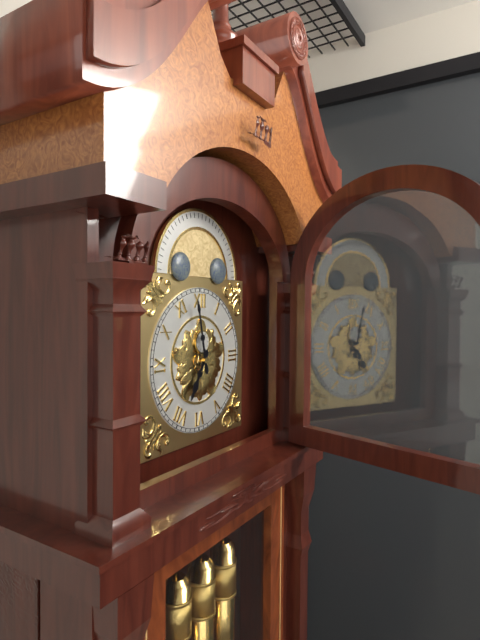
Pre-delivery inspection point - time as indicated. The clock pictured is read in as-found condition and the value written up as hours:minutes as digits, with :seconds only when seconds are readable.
6:58
